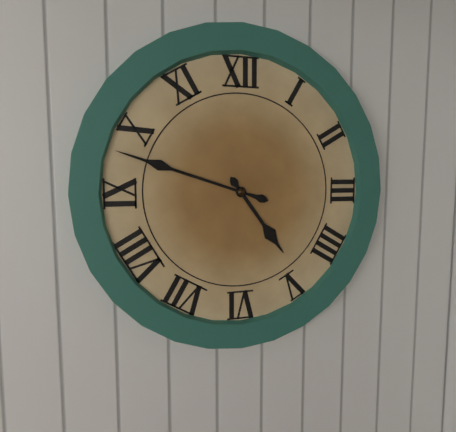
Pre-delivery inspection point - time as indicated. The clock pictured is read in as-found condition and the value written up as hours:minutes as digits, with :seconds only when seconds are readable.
4:48
